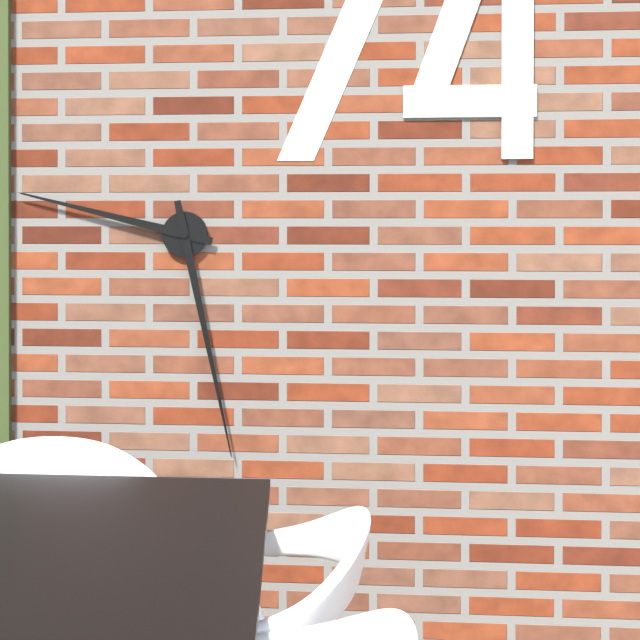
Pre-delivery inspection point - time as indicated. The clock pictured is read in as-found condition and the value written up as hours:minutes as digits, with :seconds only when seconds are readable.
9:28
